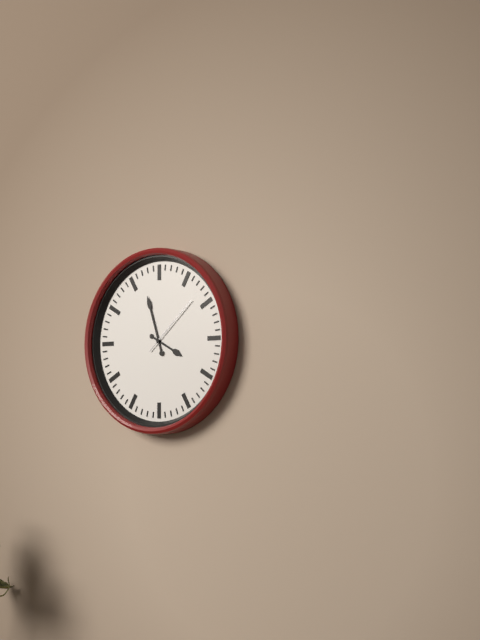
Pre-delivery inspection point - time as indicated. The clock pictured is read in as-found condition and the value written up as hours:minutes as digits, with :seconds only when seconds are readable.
3:57:08
